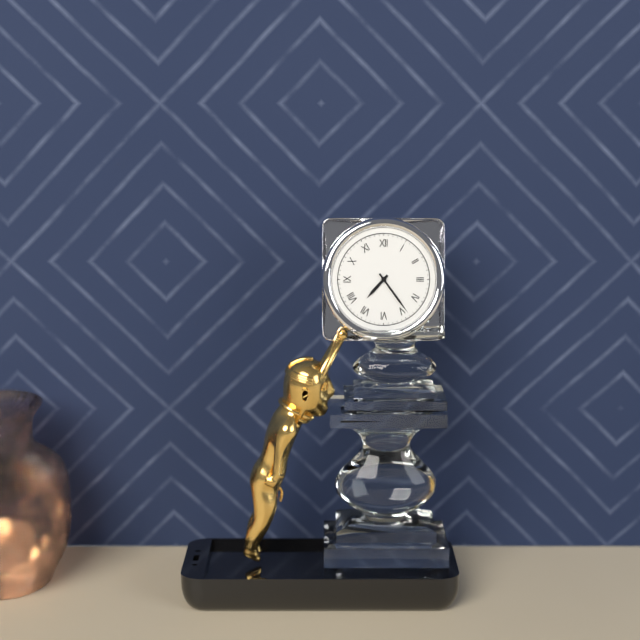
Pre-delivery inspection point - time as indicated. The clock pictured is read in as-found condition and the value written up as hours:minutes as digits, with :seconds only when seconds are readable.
7:24
